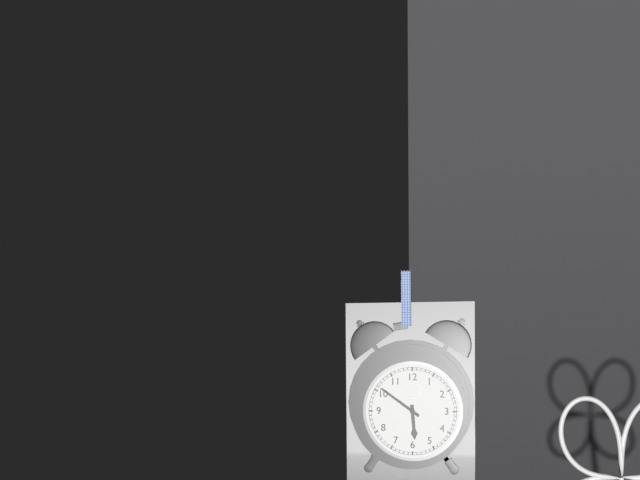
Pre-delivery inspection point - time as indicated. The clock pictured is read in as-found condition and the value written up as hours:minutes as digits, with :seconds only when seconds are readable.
5:51
